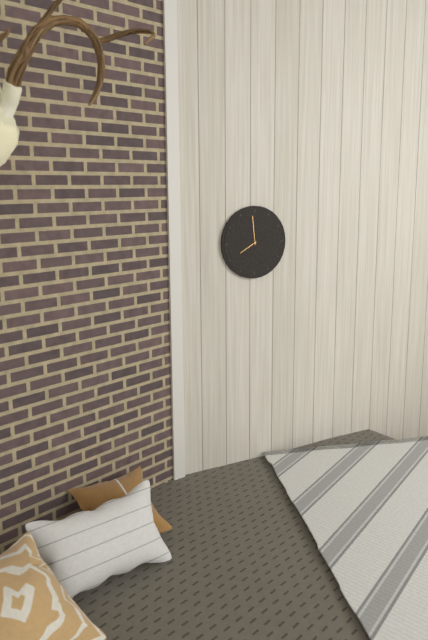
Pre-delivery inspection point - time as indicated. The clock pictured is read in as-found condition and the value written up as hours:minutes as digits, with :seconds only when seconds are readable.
7:59
